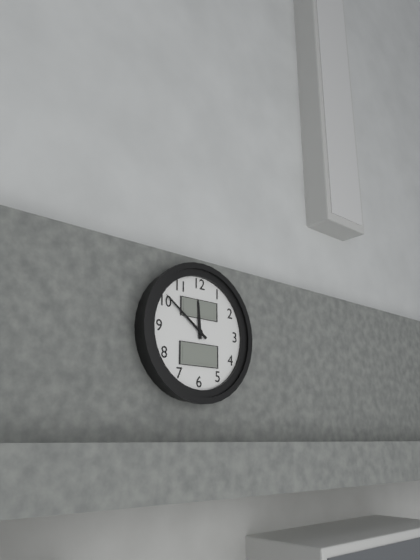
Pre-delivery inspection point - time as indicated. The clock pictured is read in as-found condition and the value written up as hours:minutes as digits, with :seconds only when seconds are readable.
11:51
